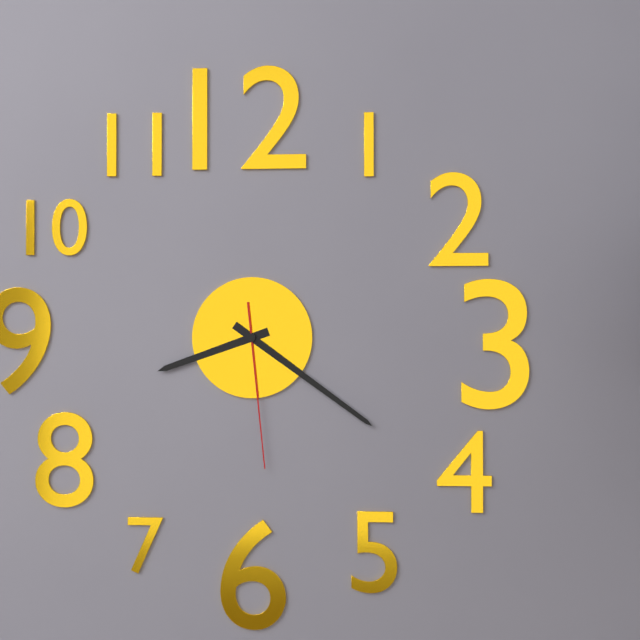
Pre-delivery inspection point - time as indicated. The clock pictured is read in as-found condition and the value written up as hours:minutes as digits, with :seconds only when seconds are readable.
8:21:29
